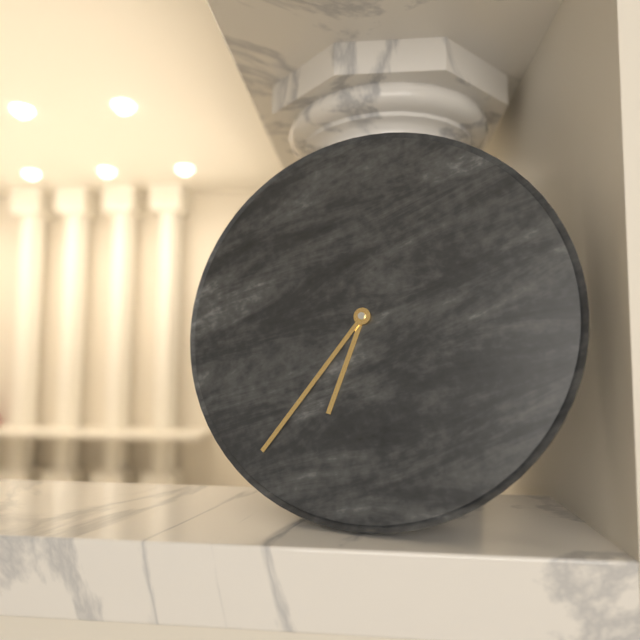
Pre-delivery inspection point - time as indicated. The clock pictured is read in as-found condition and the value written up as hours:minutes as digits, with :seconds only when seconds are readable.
6:36
